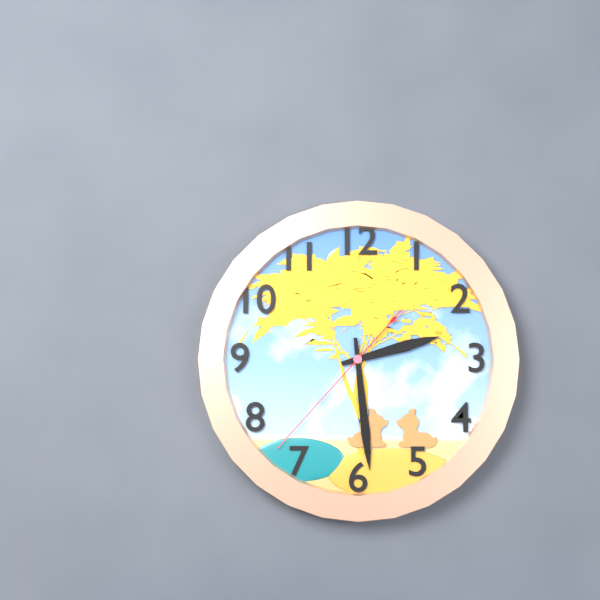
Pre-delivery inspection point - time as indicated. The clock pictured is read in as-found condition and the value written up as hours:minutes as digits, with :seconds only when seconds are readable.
2:29:37
